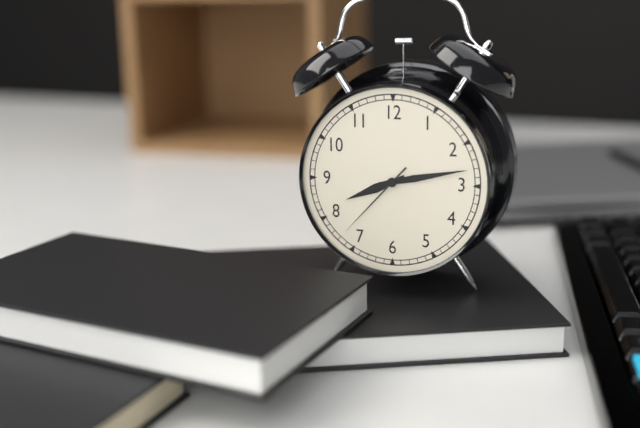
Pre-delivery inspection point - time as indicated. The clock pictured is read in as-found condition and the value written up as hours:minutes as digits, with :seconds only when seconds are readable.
8:13:37
